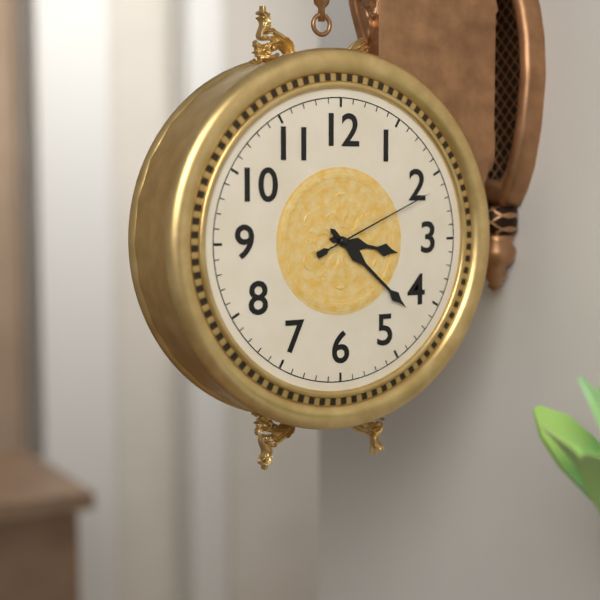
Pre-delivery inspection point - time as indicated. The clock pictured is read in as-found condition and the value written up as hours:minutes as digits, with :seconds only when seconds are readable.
3:22:11
